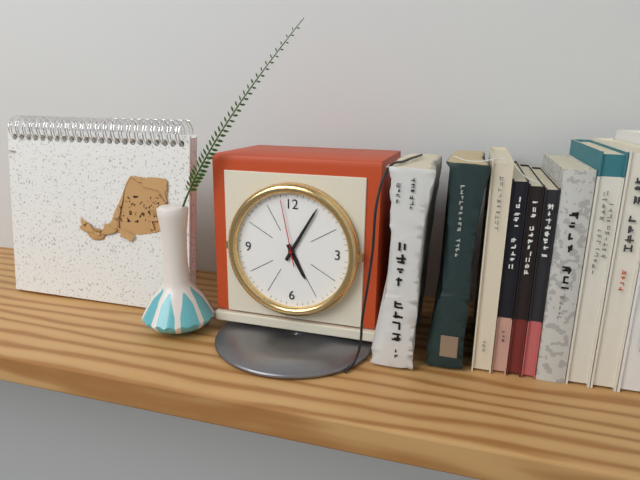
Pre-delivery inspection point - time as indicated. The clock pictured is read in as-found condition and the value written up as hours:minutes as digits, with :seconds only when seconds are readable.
5:05:58
